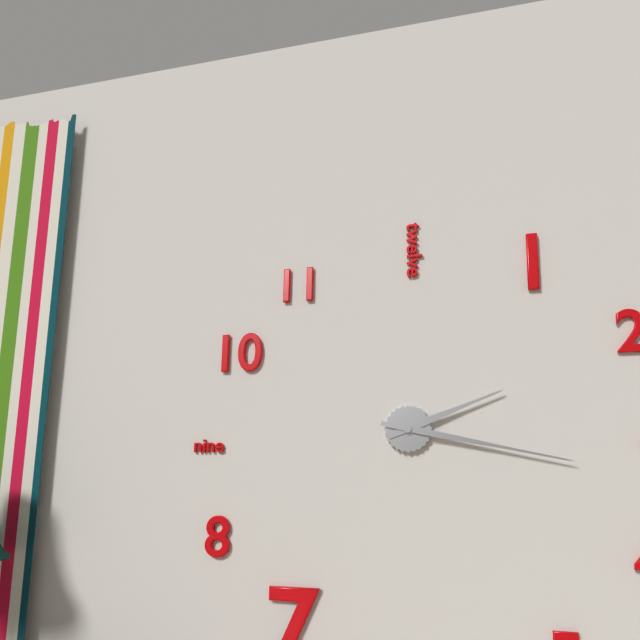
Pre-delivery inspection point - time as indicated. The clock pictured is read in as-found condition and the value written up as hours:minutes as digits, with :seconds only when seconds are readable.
2:17
